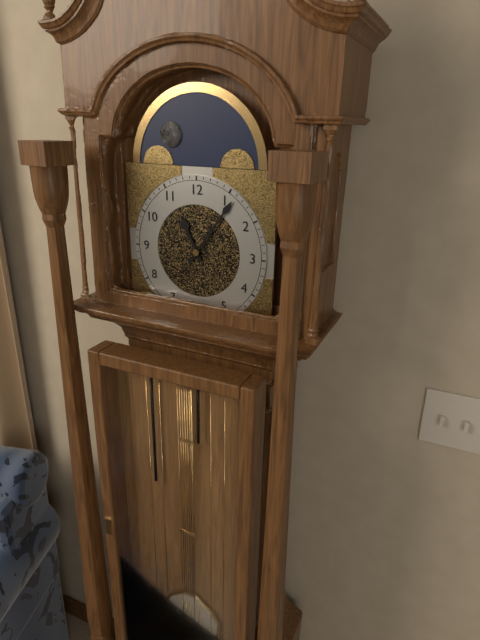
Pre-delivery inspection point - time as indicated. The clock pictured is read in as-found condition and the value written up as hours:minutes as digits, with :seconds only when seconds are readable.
11:06
